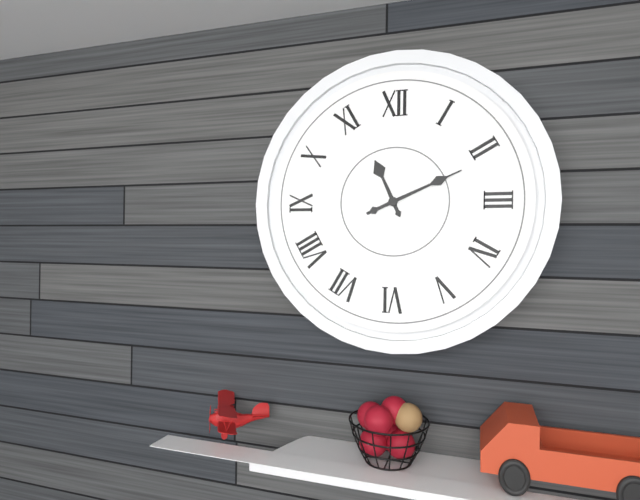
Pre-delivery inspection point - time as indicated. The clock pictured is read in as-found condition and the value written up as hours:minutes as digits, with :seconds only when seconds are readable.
11:11
